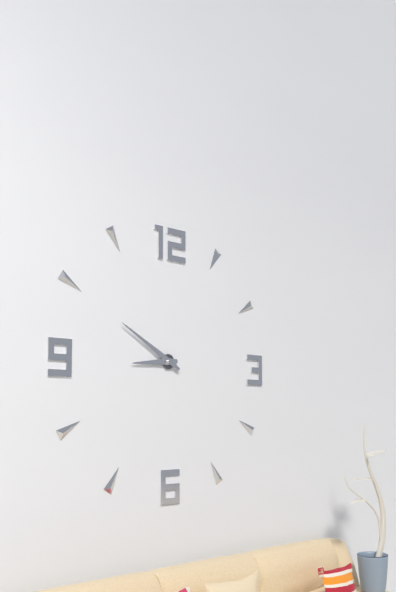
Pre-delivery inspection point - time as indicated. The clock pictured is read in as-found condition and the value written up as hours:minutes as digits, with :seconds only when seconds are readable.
8:50
